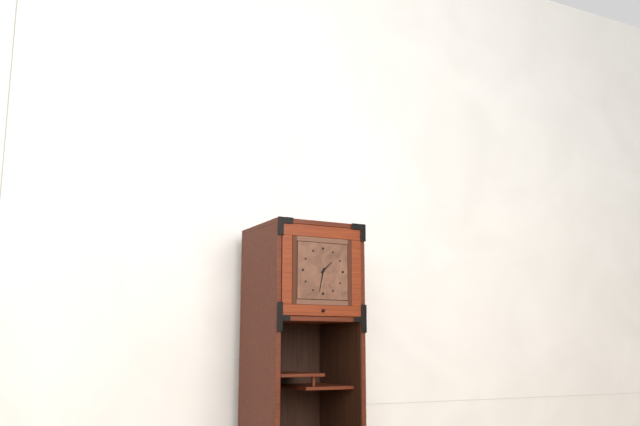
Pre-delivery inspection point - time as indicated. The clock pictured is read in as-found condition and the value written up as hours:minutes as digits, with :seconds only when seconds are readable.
1:32
